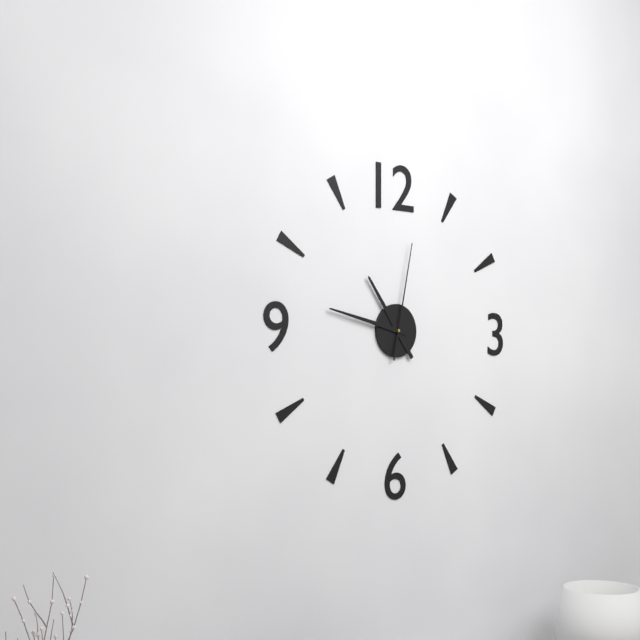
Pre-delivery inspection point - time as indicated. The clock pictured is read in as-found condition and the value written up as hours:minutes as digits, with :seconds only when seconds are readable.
10:47:02
